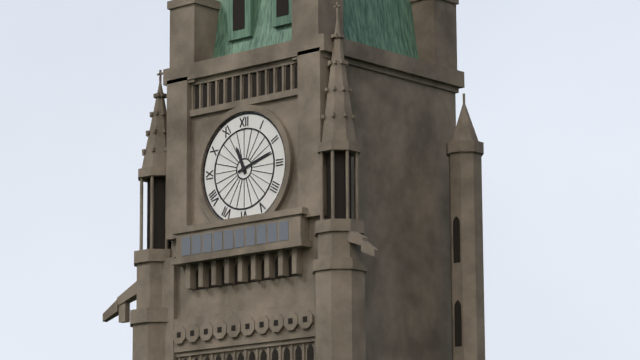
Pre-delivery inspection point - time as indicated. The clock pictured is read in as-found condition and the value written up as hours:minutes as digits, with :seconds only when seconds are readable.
11:12
